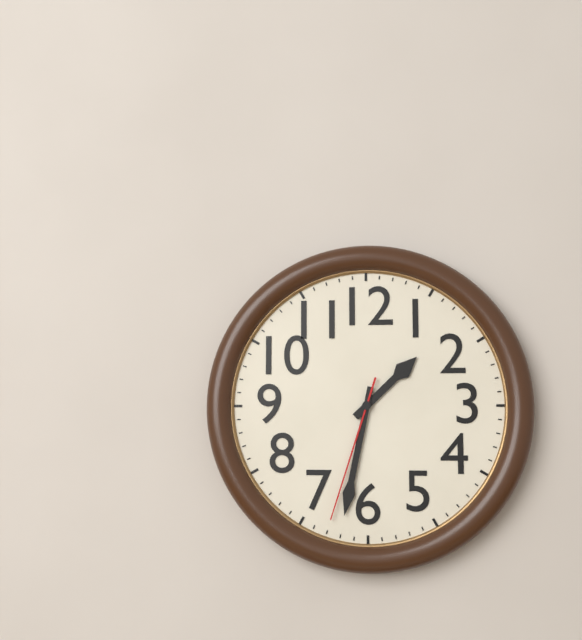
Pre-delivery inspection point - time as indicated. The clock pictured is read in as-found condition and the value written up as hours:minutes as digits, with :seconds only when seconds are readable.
1:32:33
